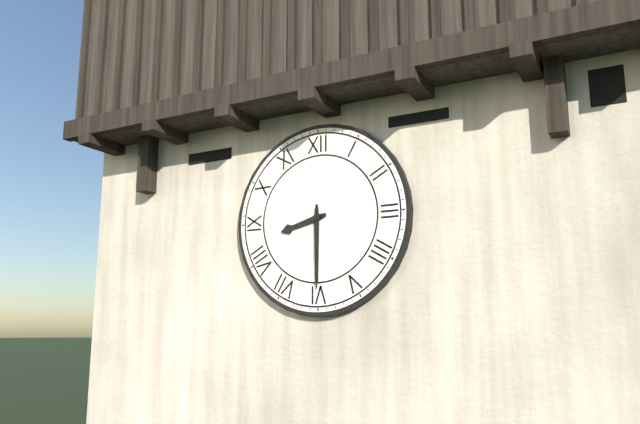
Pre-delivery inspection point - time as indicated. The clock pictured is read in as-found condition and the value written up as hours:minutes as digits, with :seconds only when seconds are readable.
8:30
